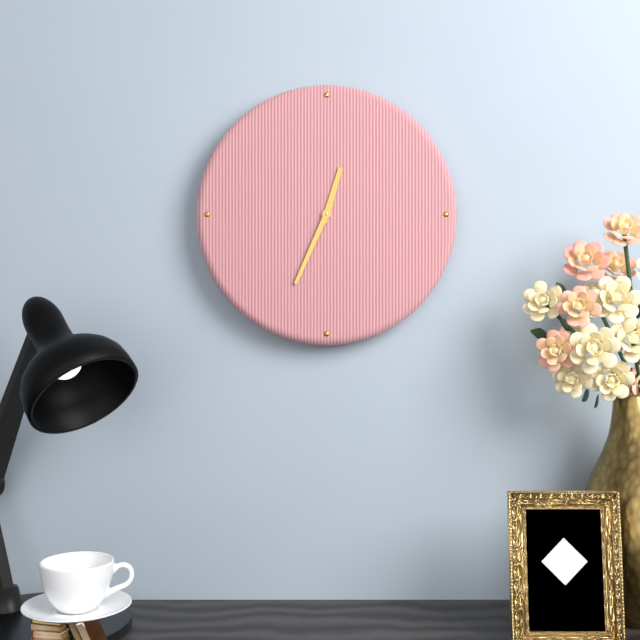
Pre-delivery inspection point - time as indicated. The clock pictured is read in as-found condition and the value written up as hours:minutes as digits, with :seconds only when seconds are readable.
12:34
